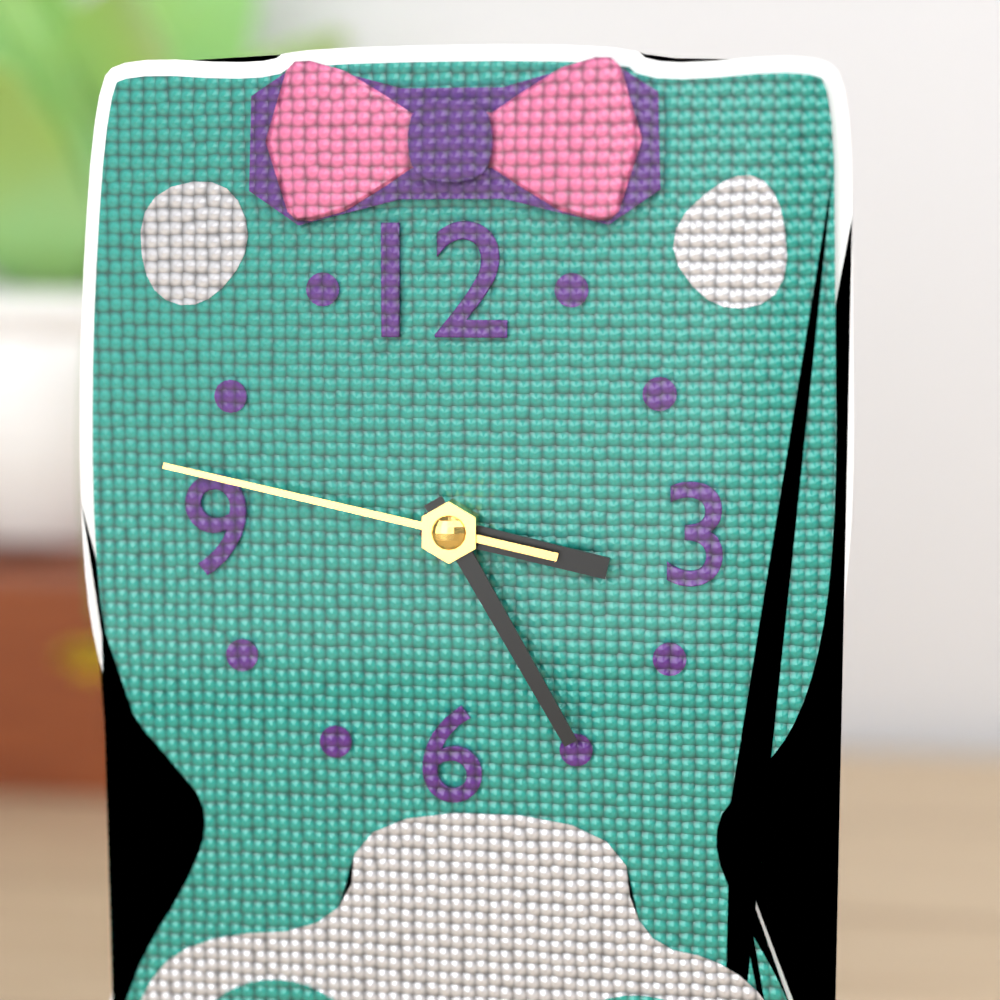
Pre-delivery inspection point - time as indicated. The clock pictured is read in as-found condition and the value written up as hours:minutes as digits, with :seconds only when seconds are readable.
3:25:47
